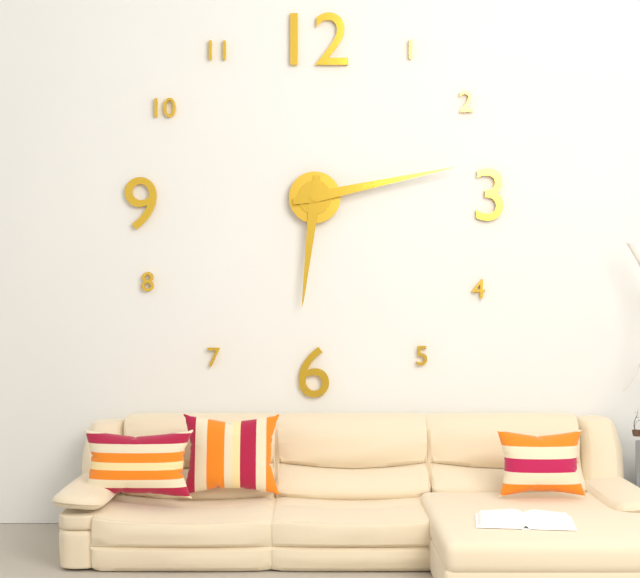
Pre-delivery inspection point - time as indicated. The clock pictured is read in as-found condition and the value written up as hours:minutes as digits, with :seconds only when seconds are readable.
6:13
